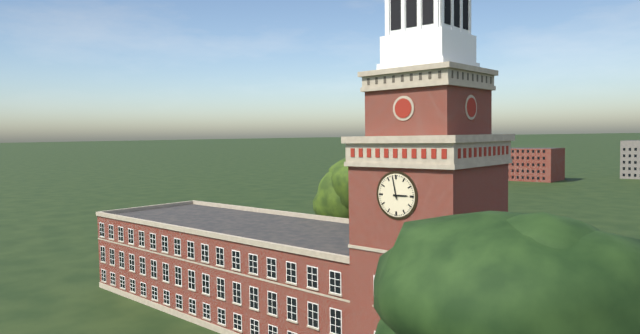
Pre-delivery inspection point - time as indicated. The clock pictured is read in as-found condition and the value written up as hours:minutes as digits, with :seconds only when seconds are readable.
2:58
